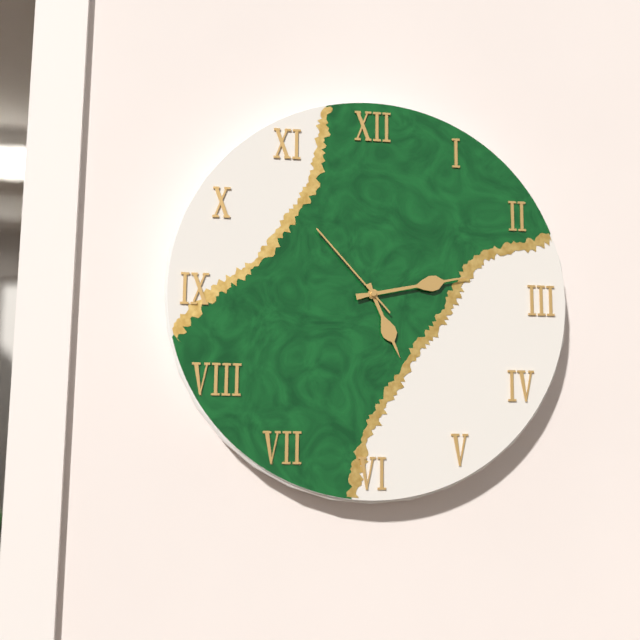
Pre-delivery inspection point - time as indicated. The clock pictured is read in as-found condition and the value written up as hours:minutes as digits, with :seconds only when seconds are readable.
5:13:53
